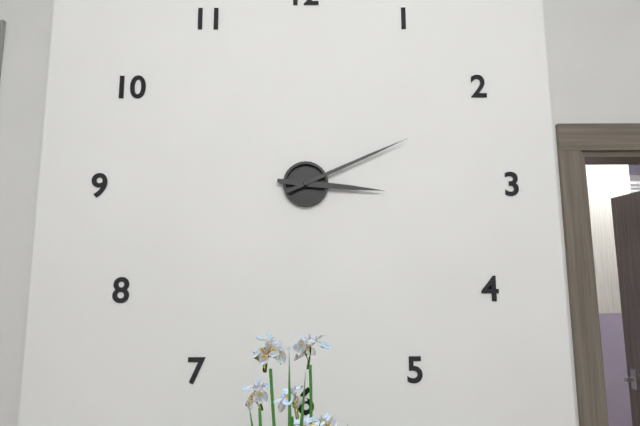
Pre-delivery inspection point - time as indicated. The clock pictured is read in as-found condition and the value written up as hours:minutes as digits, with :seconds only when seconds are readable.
3:11
